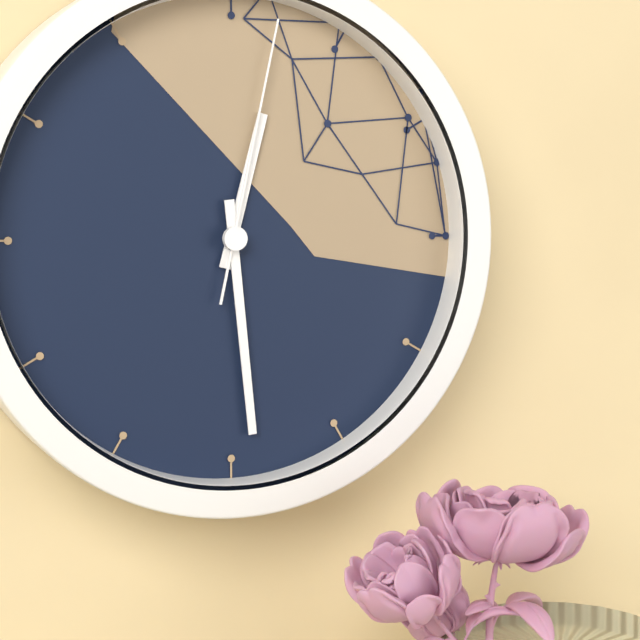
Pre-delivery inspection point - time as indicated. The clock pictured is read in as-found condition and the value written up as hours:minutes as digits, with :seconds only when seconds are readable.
12:29:02
